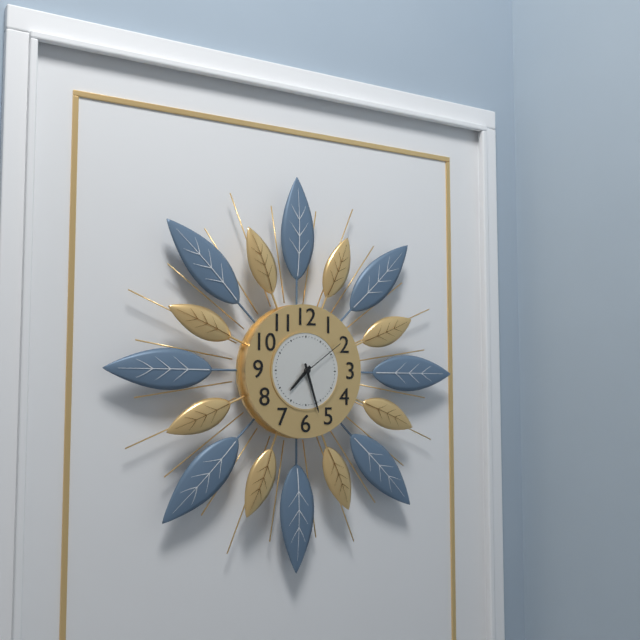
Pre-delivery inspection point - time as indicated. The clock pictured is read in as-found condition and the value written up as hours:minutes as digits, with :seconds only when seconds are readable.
7:27:09
